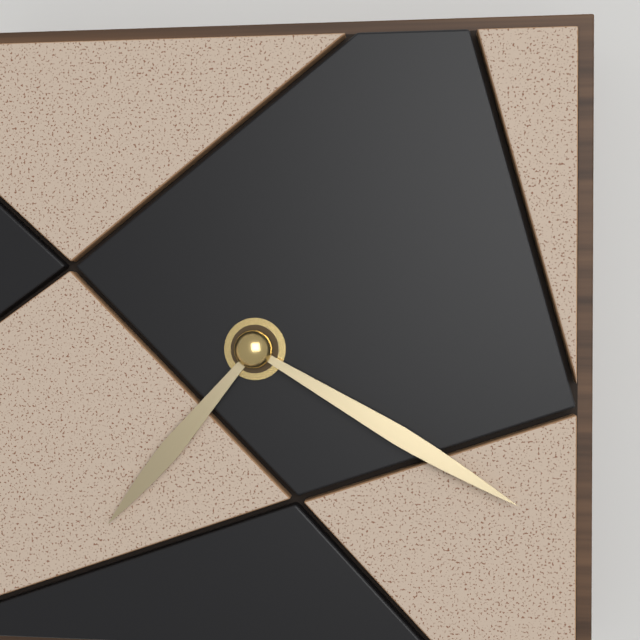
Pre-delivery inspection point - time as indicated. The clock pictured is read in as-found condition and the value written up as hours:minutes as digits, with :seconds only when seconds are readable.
7:20
